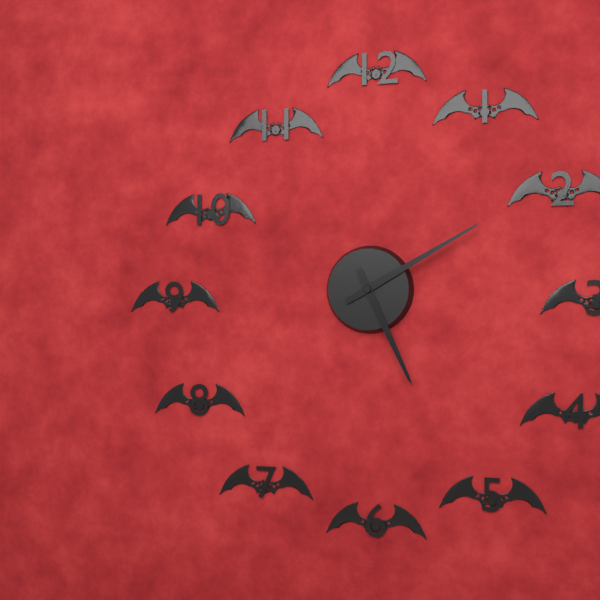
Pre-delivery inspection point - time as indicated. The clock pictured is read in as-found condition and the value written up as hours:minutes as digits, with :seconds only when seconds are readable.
5:10
